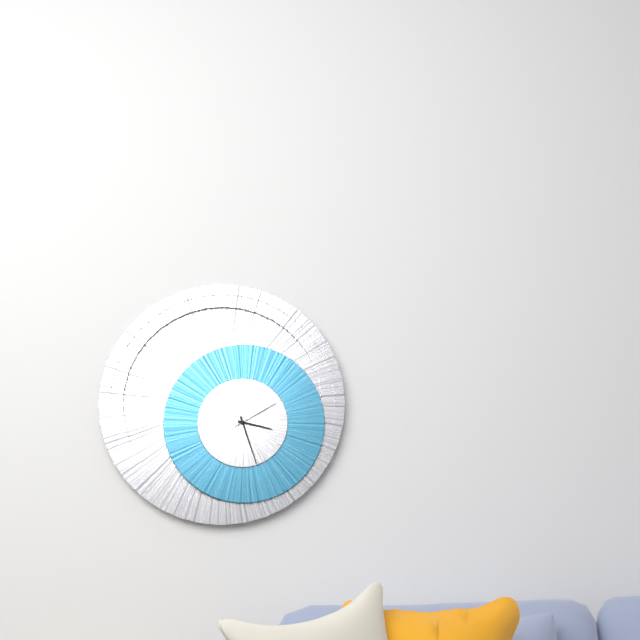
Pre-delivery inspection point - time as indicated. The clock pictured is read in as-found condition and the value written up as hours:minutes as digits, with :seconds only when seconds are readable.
3:27
